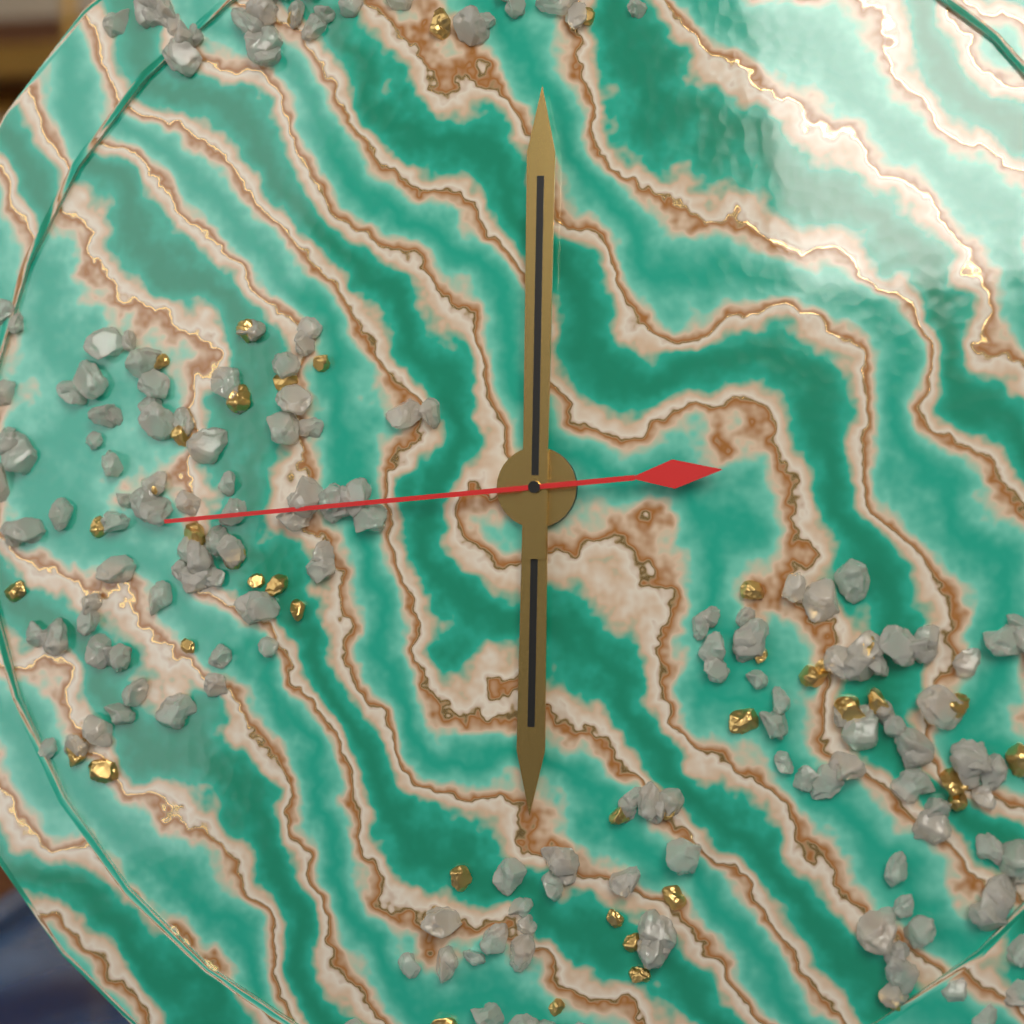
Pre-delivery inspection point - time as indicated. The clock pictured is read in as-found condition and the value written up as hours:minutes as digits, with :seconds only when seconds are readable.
6:00:44
